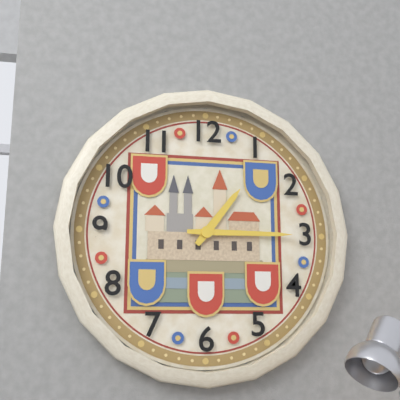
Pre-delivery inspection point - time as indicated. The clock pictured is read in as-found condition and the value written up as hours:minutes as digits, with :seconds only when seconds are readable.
1:15
